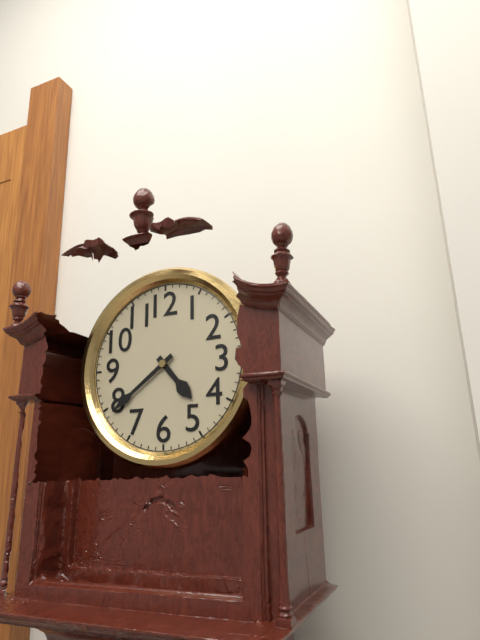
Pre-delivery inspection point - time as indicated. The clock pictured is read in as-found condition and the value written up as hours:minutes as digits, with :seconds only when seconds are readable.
4:39
